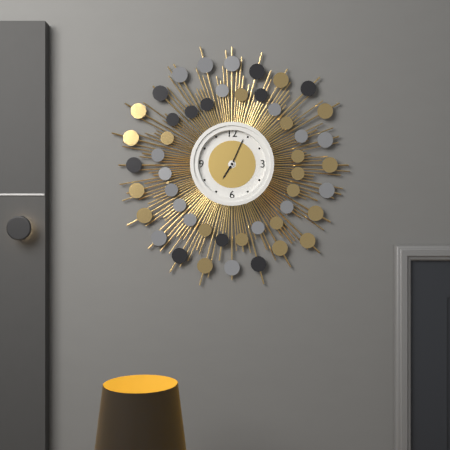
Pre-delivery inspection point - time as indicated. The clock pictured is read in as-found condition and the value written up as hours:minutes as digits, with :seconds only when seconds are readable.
7:04
